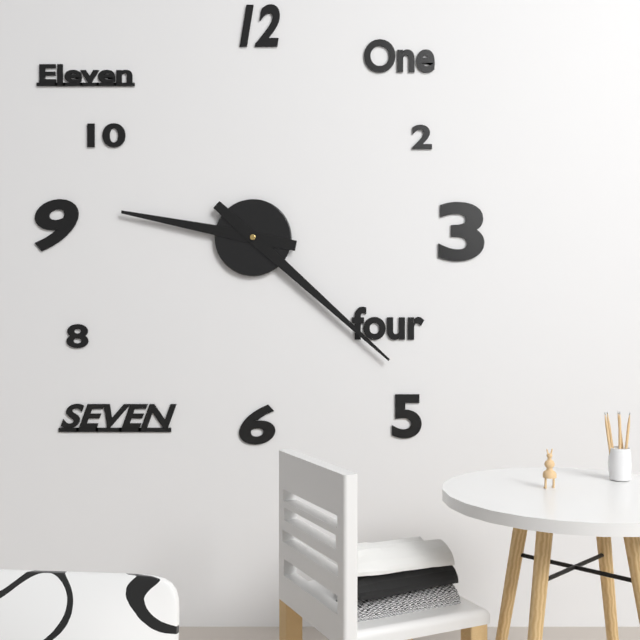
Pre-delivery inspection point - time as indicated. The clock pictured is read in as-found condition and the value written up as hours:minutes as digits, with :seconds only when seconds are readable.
9:22
